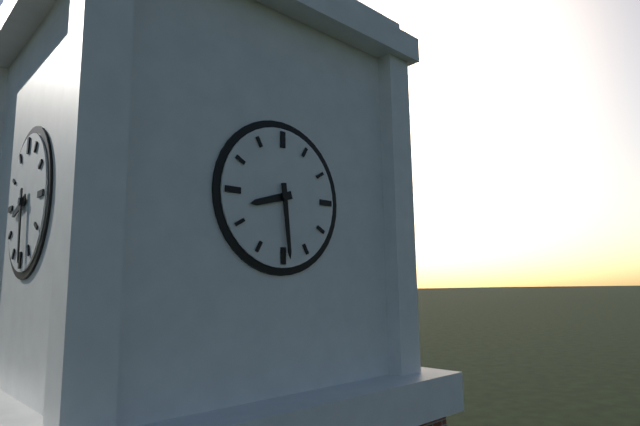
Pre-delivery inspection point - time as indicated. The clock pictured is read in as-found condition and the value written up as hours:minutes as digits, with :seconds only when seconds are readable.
8:29
